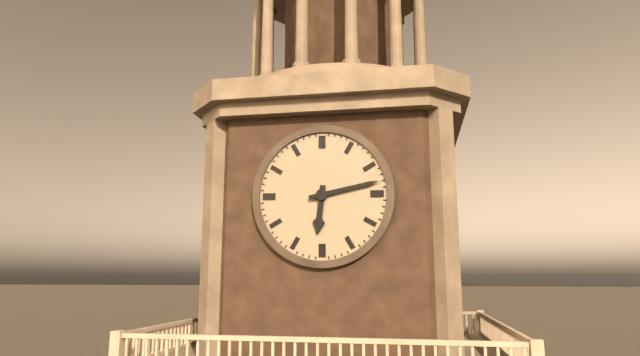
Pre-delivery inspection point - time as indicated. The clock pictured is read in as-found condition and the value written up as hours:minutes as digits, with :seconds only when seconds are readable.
6:13
